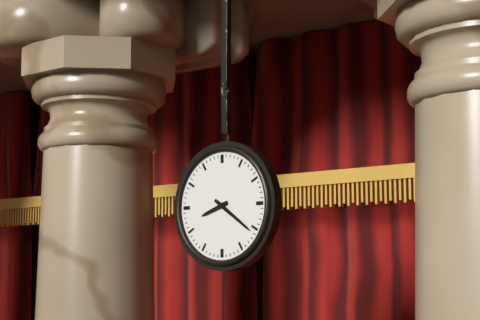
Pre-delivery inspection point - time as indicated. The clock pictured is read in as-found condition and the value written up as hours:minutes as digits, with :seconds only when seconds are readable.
8:21
